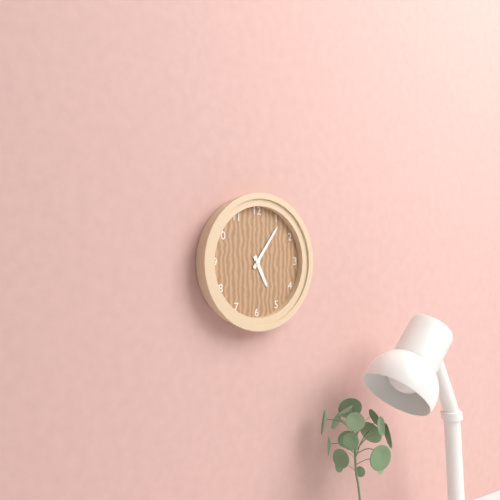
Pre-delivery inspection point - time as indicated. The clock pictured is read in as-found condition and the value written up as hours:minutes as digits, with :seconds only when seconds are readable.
5:06
